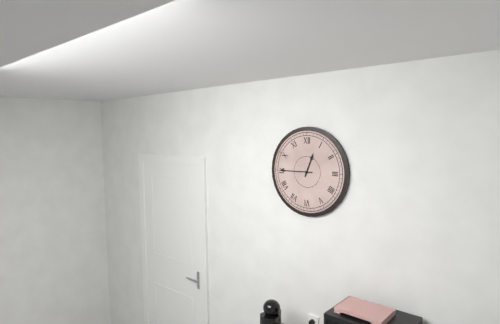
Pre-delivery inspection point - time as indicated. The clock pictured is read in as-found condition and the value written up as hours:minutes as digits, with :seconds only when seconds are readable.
12:45
